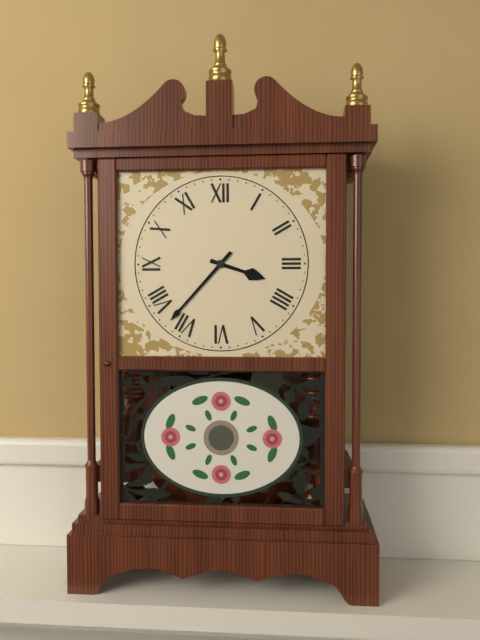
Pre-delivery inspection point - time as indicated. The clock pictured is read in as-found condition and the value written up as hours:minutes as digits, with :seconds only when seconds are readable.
3:37
